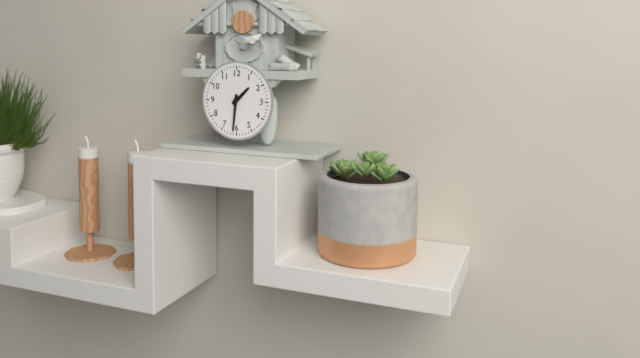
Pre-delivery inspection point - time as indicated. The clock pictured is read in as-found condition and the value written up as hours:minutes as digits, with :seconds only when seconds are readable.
1:31
